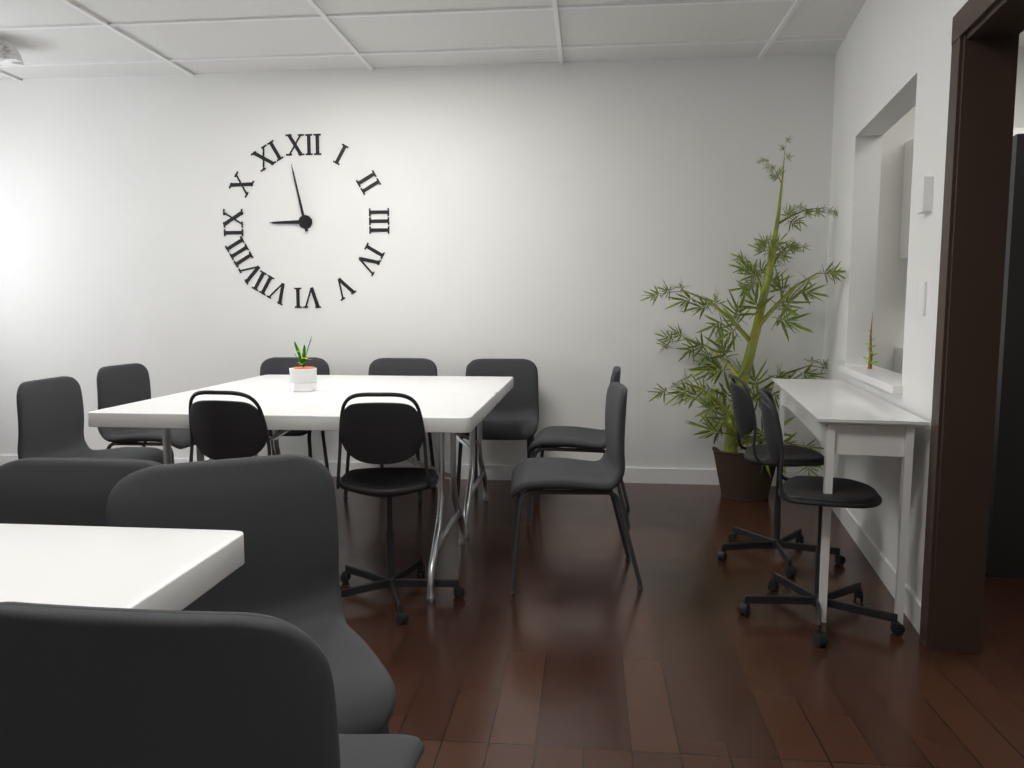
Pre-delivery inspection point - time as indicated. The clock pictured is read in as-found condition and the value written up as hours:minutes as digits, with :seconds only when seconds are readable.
8:58
